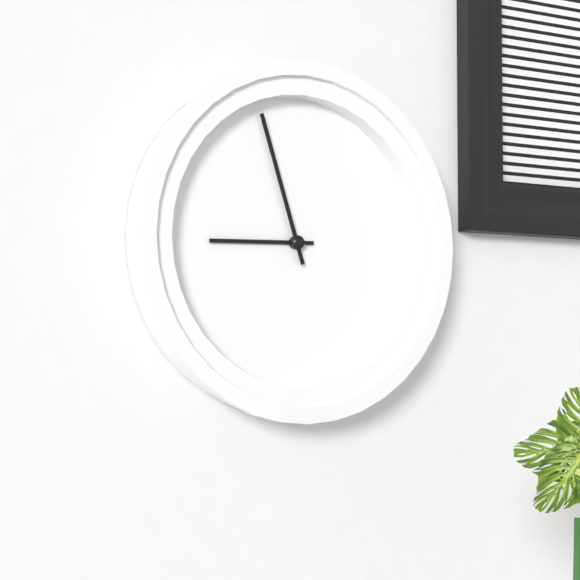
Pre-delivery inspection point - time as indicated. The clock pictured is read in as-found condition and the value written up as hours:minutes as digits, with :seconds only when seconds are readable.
8:57
